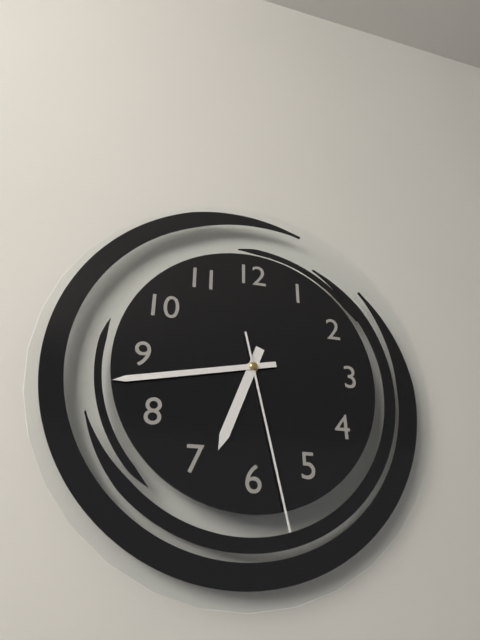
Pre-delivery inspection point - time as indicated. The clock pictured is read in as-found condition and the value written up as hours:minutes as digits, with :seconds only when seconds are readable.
6:43:28
